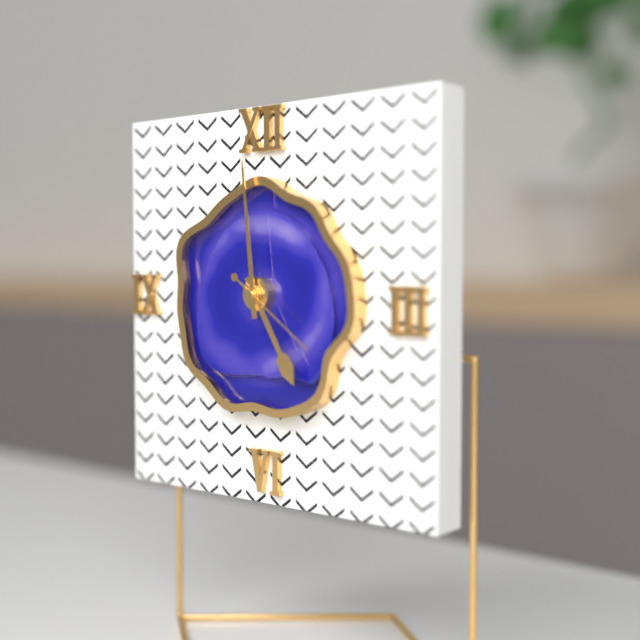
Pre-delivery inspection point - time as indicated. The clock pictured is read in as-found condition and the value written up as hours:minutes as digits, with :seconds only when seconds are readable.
4:59:21
